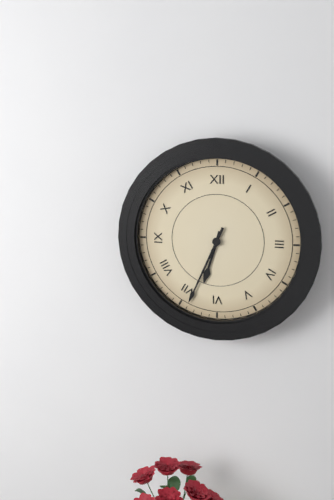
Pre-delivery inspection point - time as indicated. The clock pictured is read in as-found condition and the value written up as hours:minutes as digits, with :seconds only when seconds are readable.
6:34
